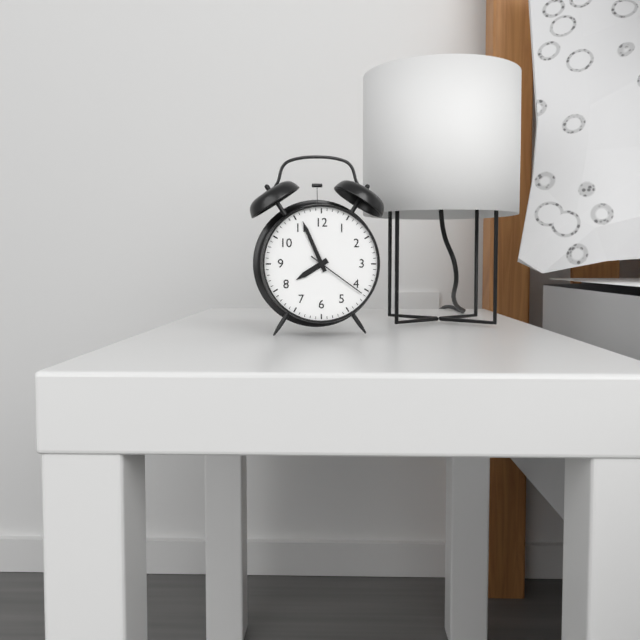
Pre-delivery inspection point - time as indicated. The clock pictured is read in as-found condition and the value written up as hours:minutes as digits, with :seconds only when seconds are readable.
7:56:21
